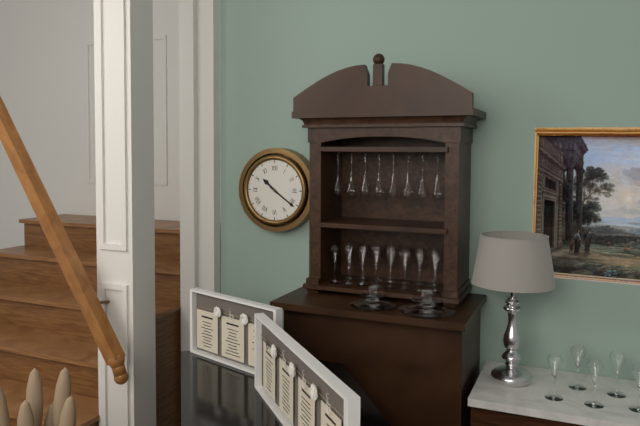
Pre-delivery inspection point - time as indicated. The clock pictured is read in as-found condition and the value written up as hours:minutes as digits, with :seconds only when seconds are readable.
10:21
